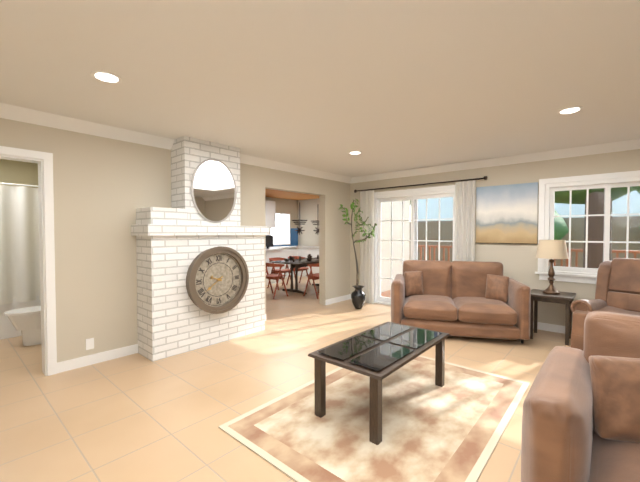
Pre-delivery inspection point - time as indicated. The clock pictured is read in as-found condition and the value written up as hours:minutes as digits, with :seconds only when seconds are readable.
9:39
